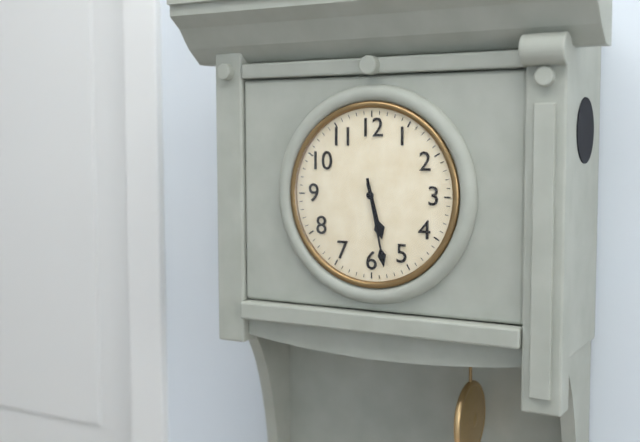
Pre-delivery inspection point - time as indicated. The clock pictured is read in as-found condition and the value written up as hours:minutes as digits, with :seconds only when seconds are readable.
5:28
